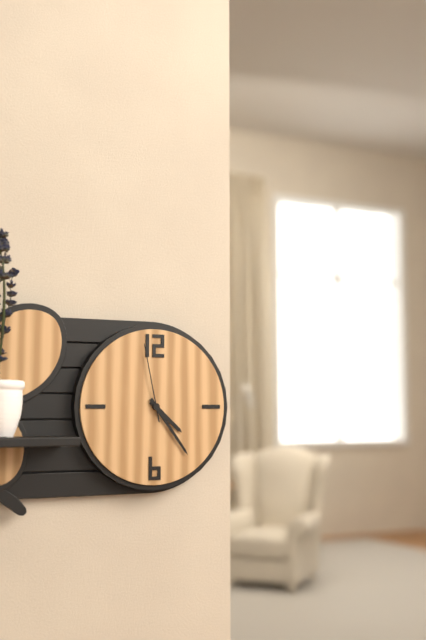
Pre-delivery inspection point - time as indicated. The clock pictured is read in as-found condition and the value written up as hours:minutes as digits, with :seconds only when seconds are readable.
4:24:58
